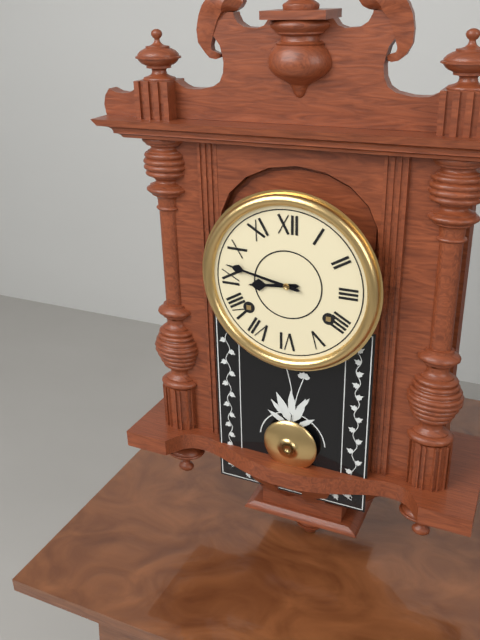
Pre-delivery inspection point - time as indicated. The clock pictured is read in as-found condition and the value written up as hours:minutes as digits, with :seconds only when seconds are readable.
8:47
